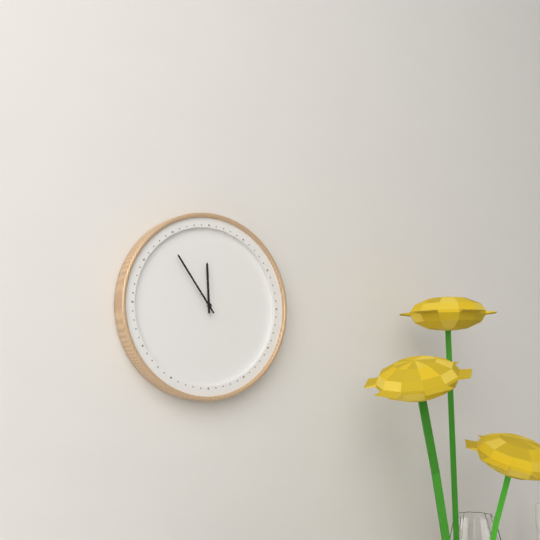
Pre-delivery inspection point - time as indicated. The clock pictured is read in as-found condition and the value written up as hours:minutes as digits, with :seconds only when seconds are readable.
11:54
